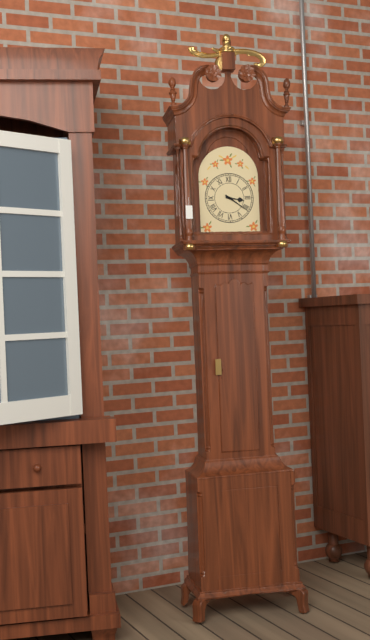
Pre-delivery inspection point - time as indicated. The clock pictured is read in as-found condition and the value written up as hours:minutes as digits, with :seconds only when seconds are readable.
3:21
